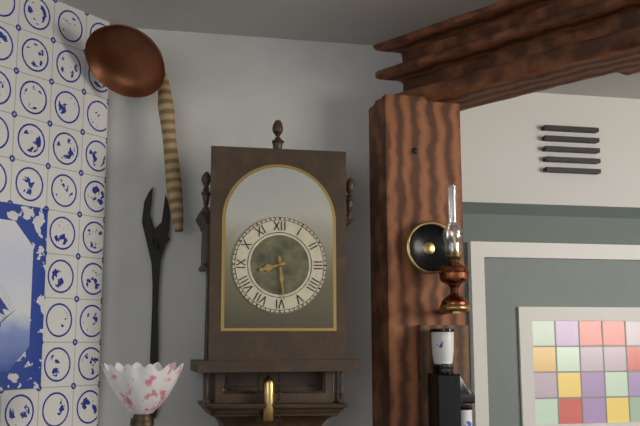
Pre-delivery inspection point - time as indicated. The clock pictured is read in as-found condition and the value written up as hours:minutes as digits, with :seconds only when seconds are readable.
8:29
